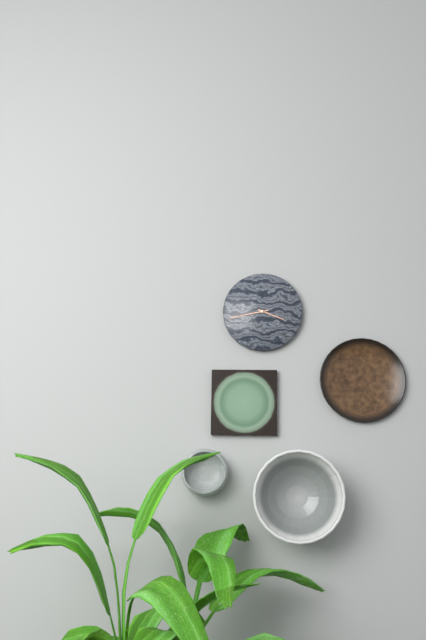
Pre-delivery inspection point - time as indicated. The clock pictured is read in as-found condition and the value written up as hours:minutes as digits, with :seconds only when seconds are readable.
3:43
